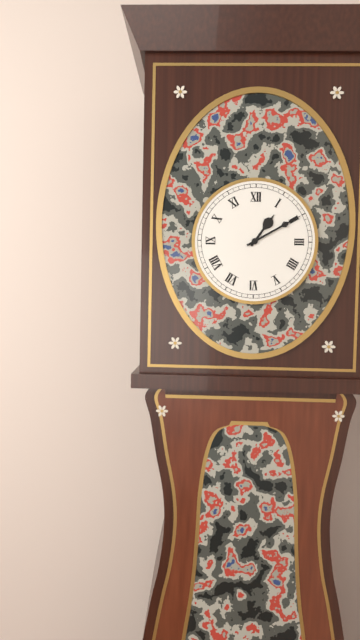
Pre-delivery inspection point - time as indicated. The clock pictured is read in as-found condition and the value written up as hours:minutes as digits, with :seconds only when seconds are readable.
1:10
